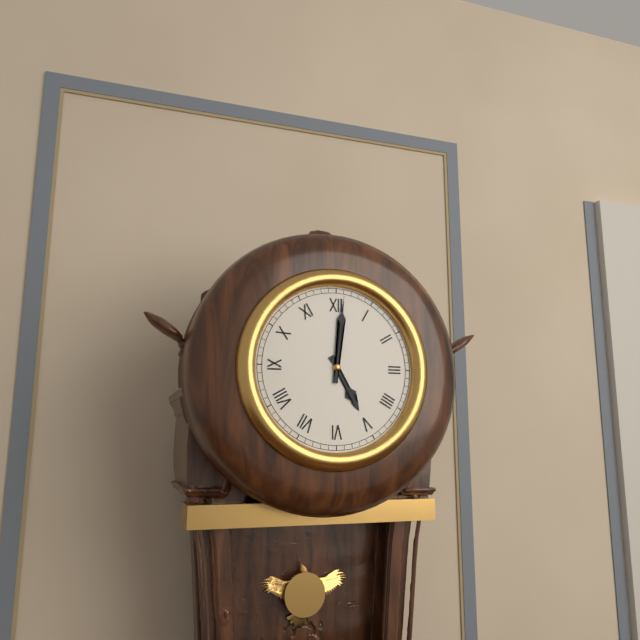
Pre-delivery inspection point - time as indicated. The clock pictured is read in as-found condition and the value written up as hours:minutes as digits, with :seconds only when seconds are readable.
5:01
